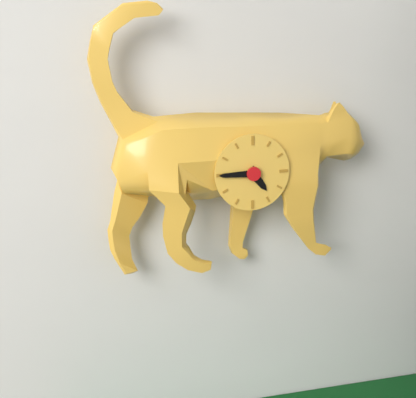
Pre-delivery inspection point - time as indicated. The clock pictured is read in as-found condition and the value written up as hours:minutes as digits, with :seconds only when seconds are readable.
4:45
